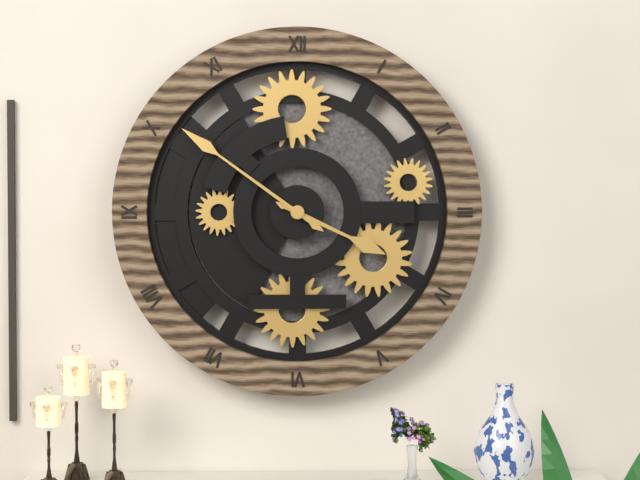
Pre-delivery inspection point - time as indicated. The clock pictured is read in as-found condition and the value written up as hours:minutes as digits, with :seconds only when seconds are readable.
3:51
